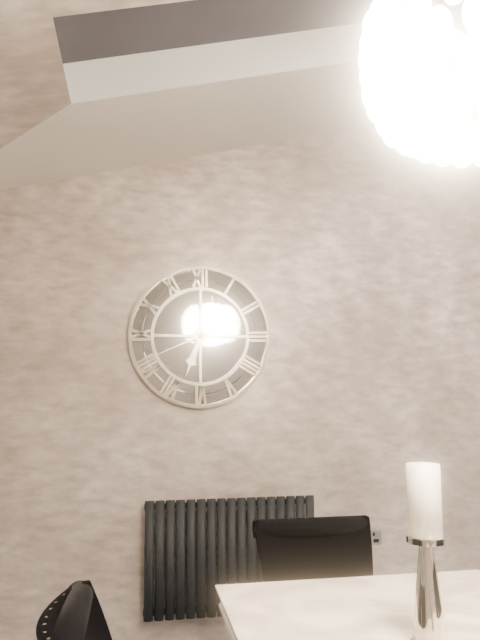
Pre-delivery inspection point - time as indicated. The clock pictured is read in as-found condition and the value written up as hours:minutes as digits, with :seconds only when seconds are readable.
6:41
